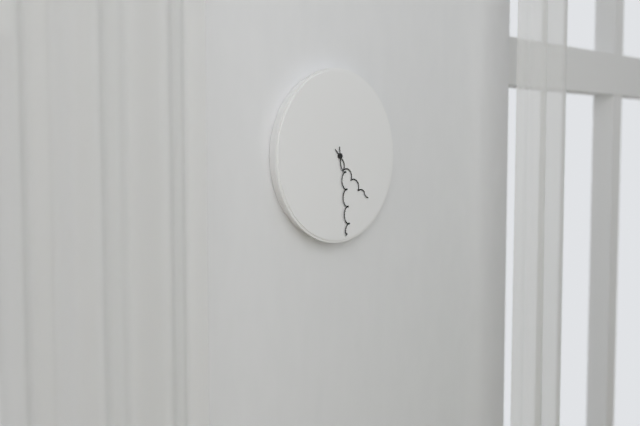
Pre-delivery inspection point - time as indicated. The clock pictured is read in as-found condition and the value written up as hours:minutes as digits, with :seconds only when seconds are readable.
4:29
